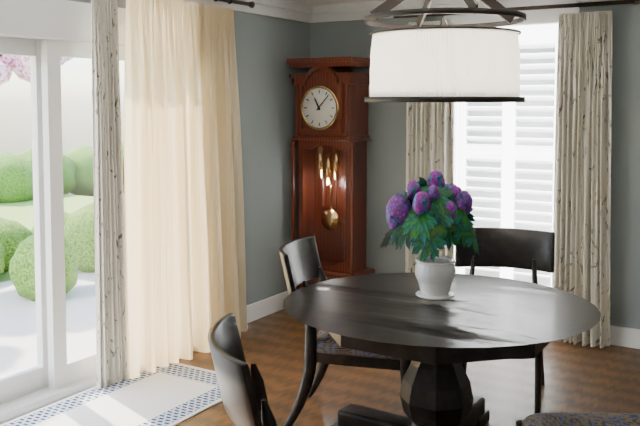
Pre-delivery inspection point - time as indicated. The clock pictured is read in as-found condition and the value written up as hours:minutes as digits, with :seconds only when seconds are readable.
11:07
